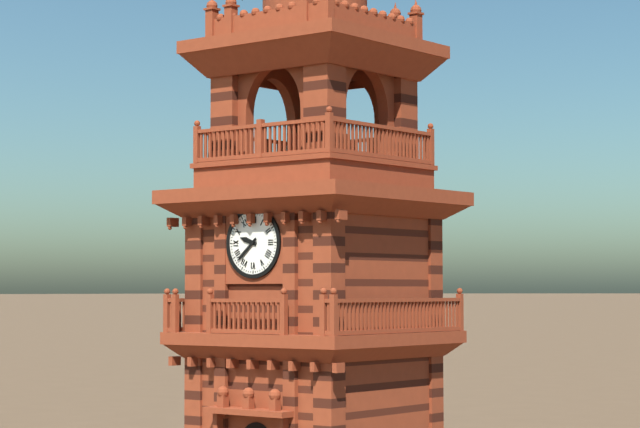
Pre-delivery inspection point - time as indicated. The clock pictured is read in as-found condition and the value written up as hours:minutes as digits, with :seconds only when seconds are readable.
9:38
